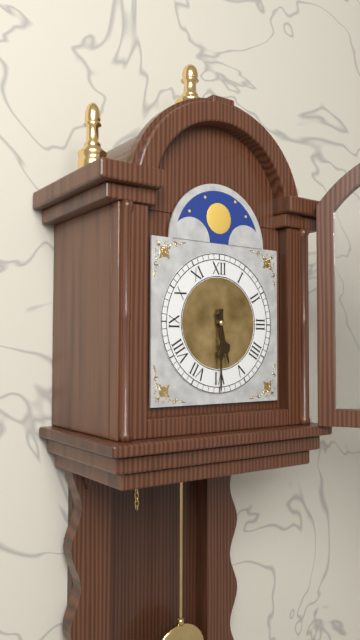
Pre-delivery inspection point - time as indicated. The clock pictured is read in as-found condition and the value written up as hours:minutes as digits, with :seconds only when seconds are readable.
5:30
